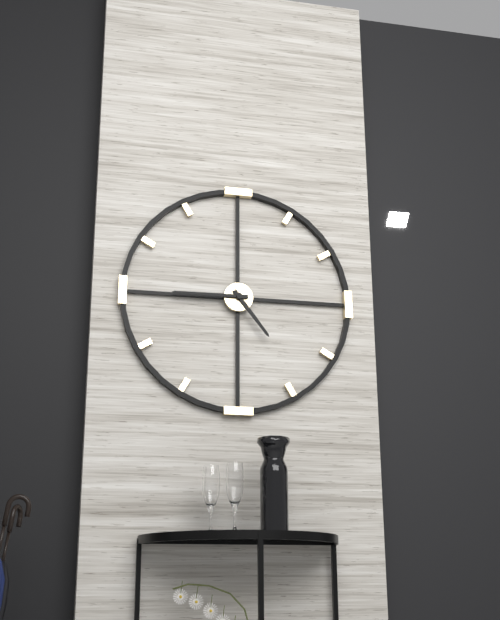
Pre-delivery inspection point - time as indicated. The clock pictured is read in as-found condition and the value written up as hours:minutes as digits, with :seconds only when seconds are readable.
4:45
